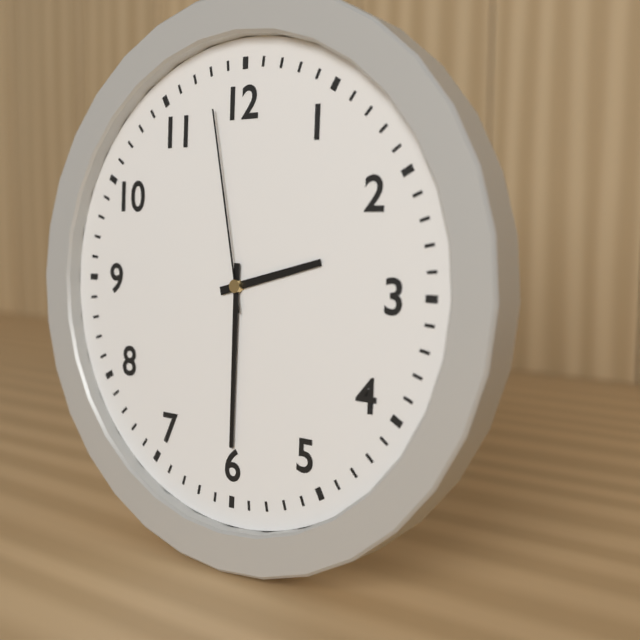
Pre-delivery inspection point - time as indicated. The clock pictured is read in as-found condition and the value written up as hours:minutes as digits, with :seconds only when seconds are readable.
2:30:58
